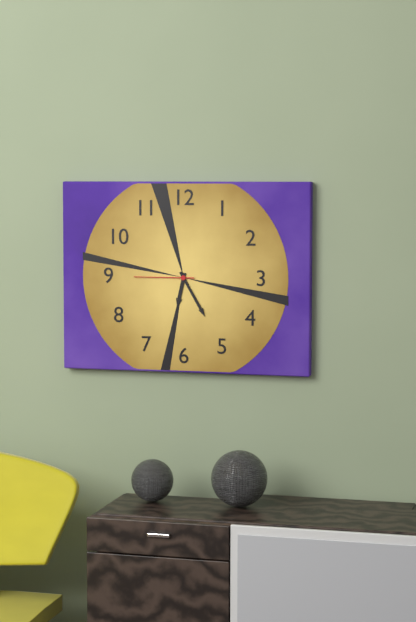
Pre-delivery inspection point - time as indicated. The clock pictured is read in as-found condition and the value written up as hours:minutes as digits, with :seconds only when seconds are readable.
6:25:45
